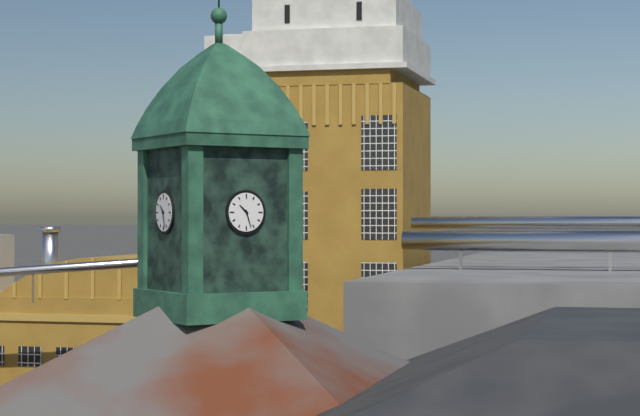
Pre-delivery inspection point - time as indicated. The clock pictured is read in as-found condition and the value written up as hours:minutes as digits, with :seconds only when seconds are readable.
10:27
